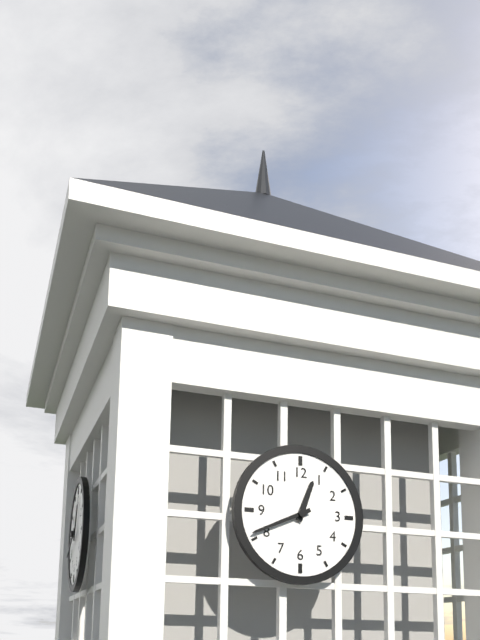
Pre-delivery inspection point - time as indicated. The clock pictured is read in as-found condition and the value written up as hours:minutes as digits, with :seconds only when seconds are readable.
12:41
